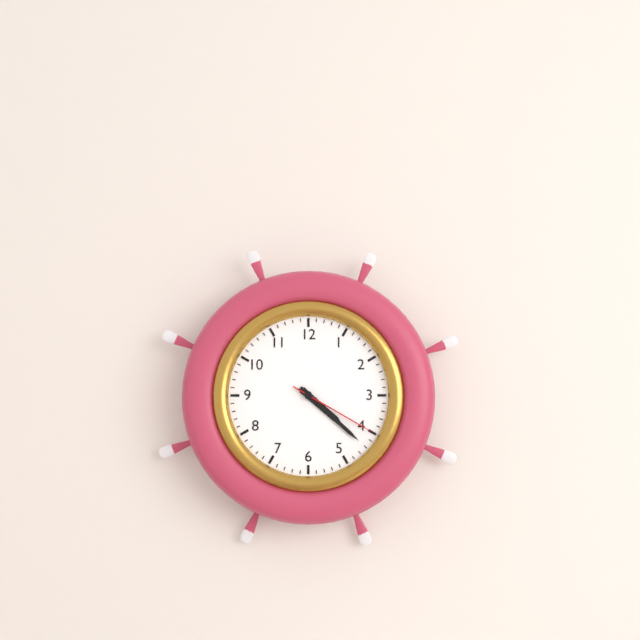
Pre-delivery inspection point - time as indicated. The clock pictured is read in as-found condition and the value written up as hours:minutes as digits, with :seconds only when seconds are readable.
4:22:20
